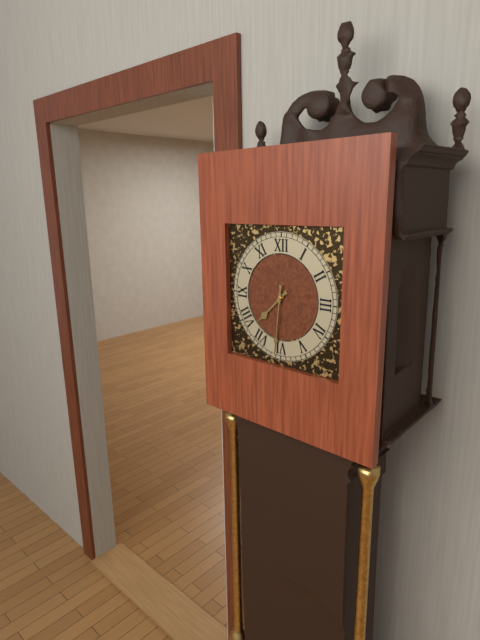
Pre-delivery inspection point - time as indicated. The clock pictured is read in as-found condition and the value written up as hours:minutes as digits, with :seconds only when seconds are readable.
7:31
